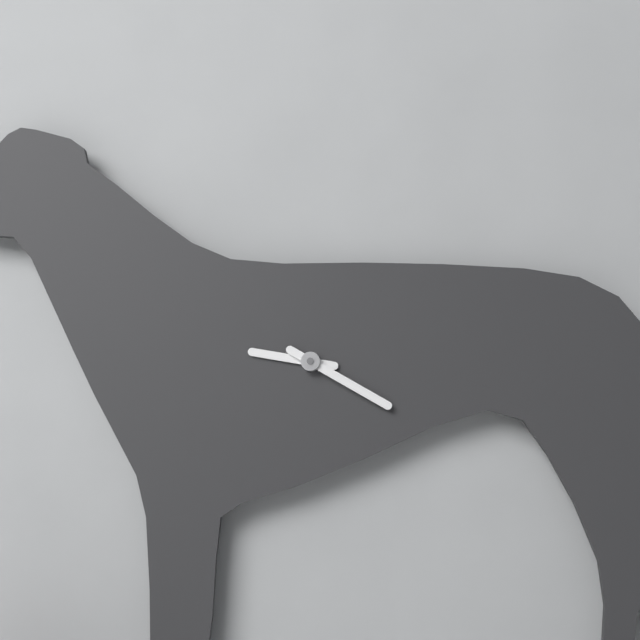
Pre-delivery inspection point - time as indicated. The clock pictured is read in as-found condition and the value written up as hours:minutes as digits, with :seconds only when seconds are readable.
9:20
